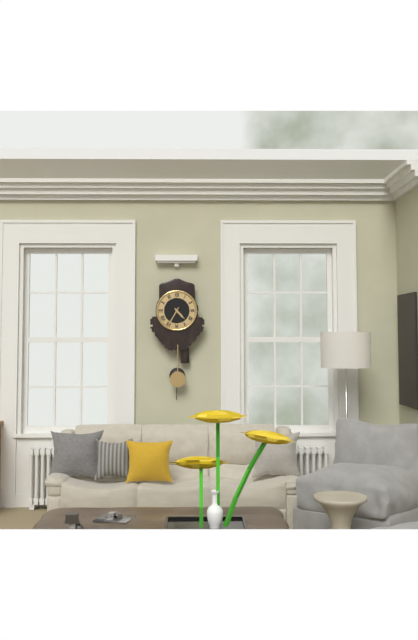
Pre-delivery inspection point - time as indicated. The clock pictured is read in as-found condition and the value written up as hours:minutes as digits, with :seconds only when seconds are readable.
4:35
